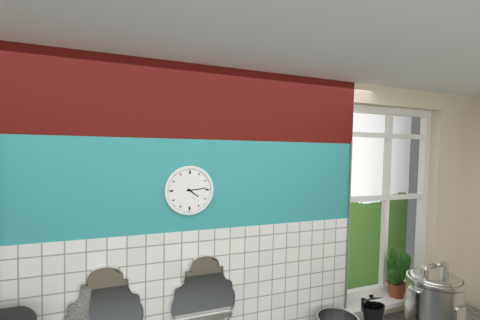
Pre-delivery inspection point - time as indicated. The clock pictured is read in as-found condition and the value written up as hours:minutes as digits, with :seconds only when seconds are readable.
4:14
